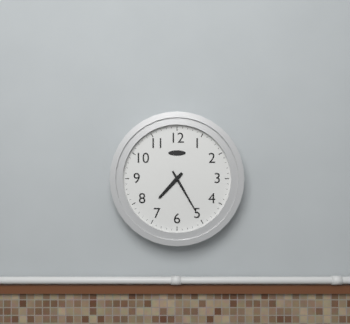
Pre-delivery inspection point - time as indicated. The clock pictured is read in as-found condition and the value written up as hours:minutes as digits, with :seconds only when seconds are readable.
7:25
